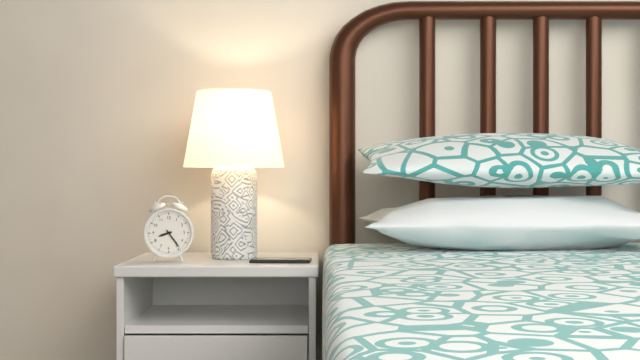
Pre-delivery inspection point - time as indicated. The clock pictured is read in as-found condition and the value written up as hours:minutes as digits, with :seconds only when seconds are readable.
8:24
